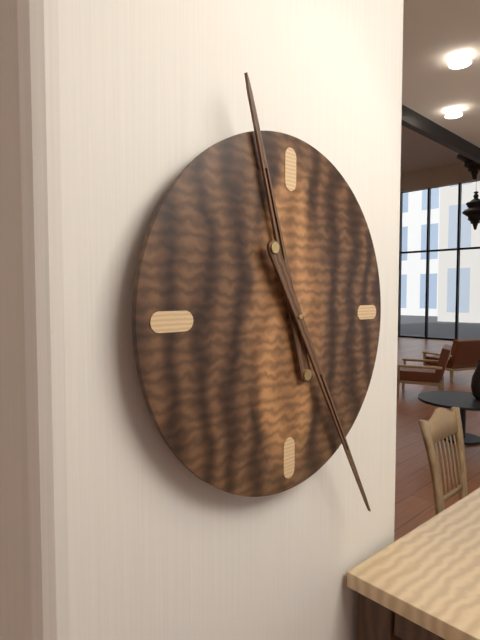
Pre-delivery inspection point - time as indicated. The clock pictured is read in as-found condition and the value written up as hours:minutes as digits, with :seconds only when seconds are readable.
11:25
